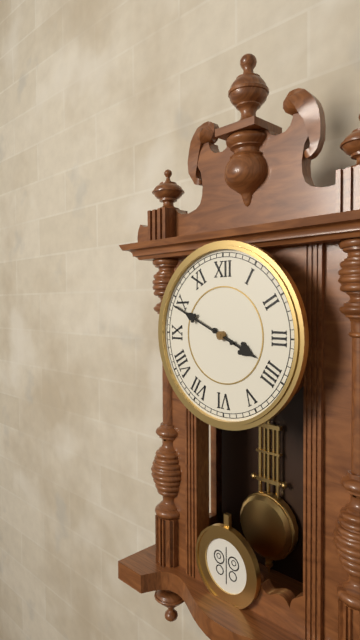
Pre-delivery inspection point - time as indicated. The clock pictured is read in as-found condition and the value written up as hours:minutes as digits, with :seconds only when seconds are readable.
3:49
